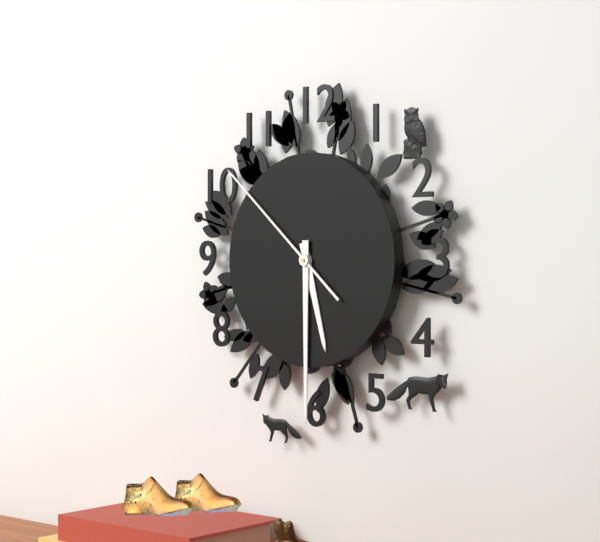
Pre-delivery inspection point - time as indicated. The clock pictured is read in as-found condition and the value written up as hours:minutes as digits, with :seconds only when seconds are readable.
5:30:52
